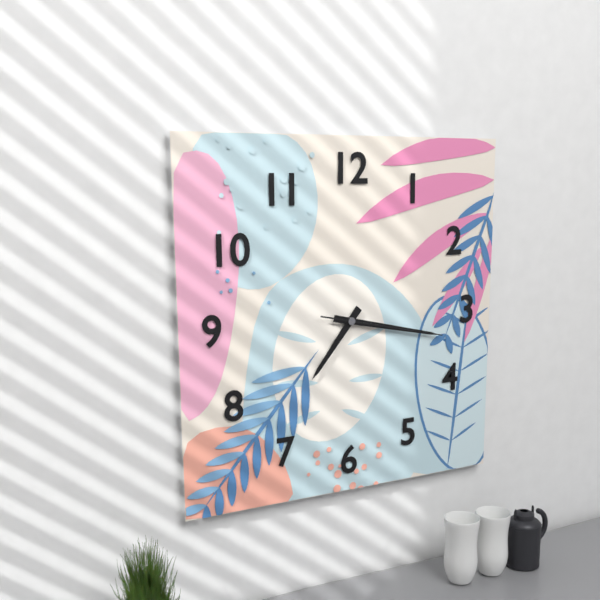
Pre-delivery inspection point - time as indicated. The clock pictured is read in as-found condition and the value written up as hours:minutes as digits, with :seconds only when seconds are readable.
7:17:17
